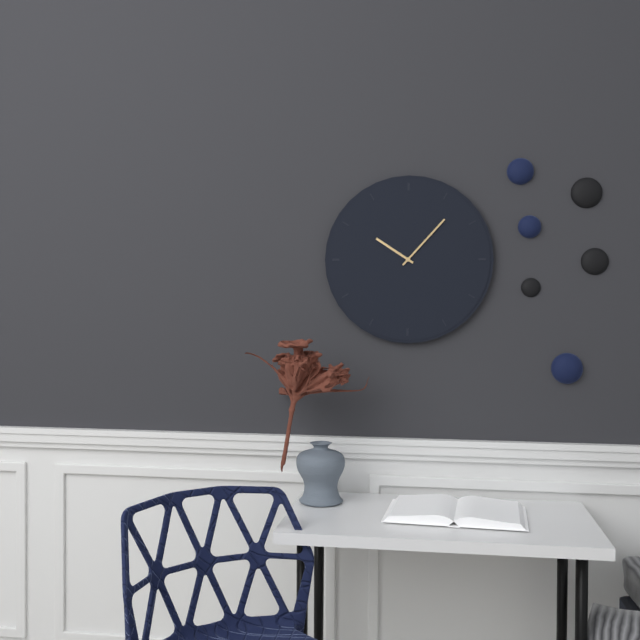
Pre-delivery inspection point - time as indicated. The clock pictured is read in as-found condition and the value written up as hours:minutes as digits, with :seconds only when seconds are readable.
10:07
